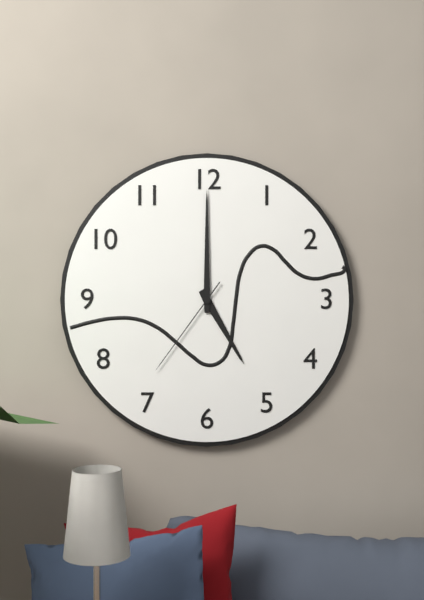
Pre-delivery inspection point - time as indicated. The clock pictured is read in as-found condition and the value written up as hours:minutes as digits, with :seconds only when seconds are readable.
5:00:36
